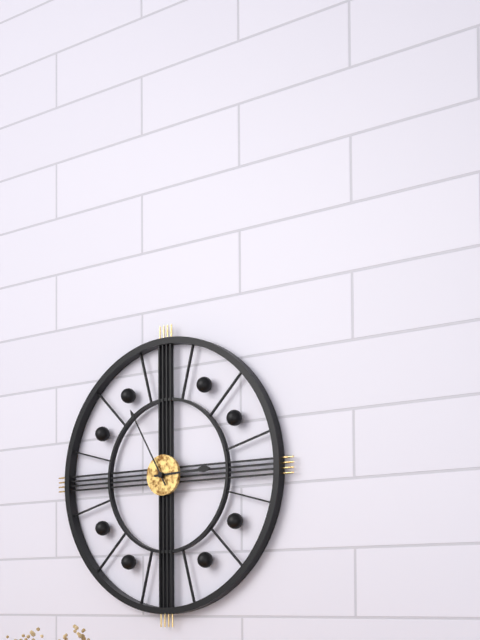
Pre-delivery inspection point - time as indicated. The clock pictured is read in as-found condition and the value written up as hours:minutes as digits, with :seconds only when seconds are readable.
2:55
